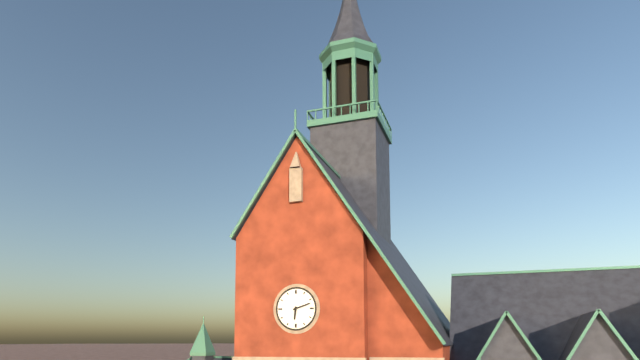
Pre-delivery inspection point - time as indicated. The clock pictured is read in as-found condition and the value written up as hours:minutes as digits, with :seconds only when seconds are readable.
6:12
